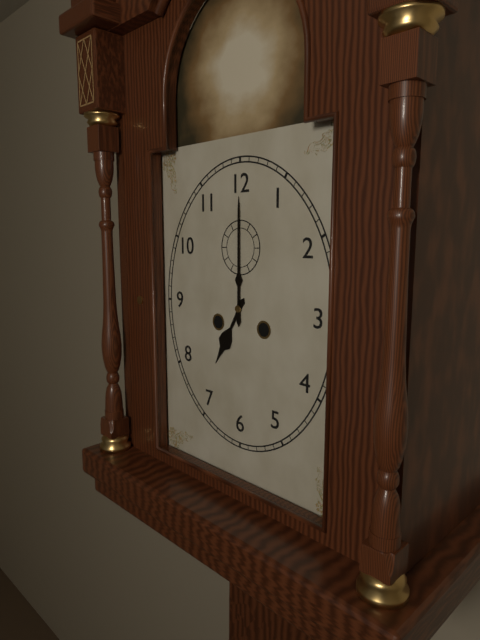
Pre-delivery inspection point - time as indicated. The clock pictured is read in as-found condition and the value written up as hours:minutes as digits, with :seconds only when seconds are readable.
7:00
